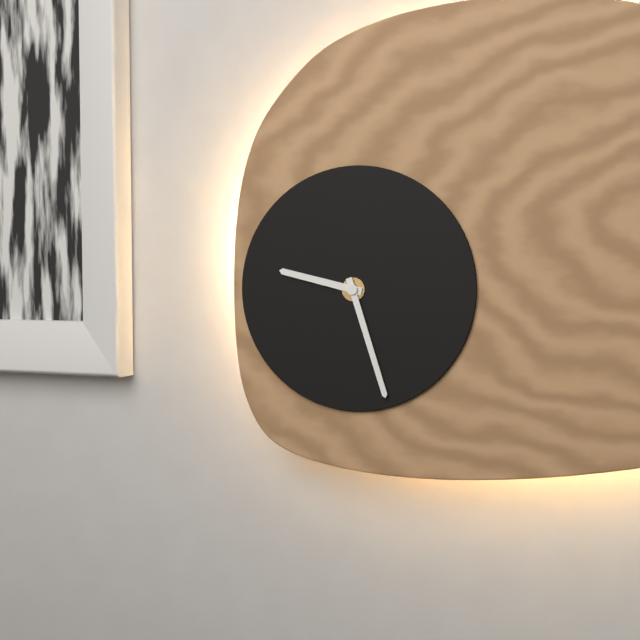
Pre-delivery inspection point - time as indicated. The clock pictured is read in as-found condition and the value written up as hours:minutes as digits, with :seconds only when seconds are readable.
9:27
